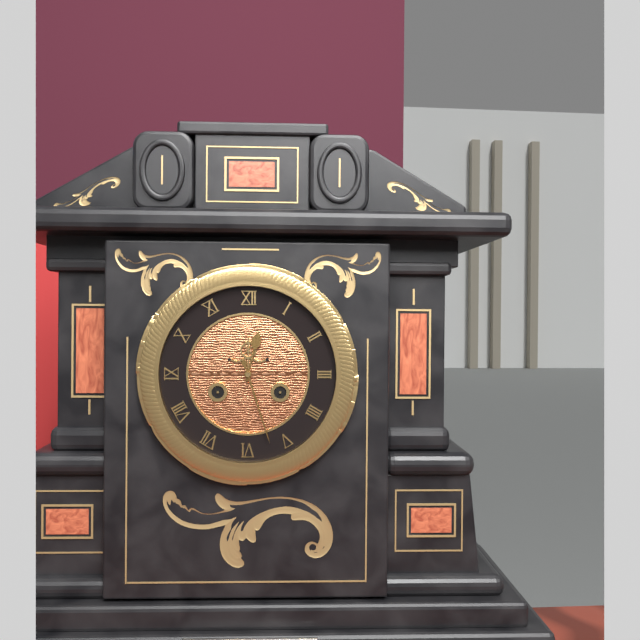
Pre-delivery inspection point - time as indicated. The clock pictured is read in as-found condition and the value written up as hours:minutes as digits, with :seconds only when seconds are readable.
12:27
